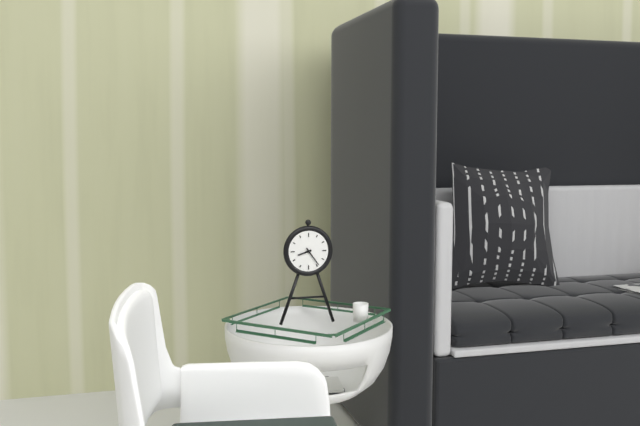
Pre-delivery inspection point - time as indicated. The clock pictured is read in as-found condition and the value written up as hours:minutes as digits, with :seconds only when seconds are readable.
8:24
